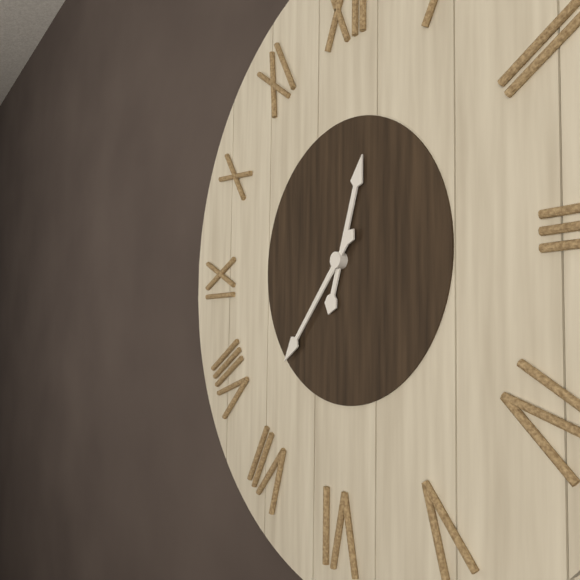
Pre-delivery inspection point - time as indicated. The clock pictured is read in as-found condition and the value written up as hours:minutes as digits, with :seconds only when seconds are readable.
12:37
